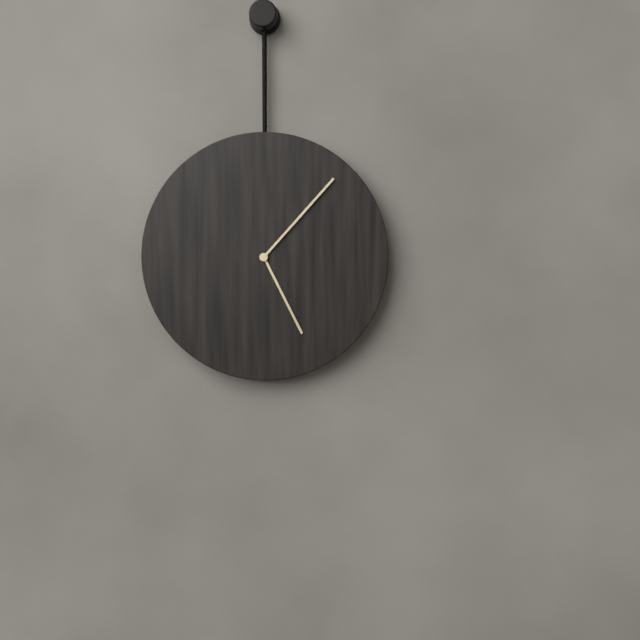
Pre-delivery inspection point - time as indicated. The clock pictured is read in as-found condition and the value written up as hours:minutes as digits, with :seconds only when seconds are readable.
5:07
